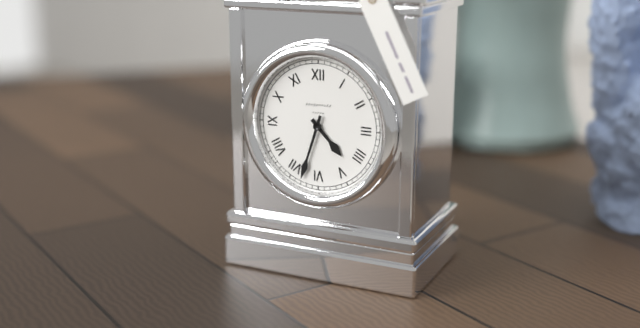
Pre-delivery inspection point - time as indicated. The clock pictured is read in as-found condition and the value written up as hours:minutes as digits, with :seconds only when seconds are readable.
4:33
